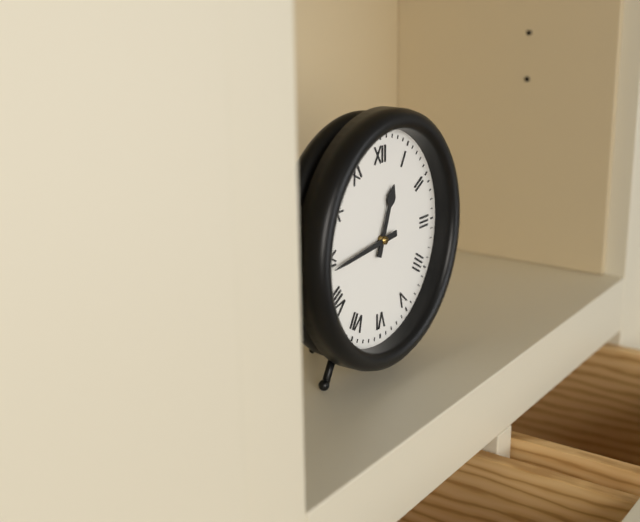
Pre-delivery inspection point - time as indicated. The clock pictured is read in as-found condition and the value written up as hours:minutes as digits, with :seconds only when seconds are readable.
12:44
